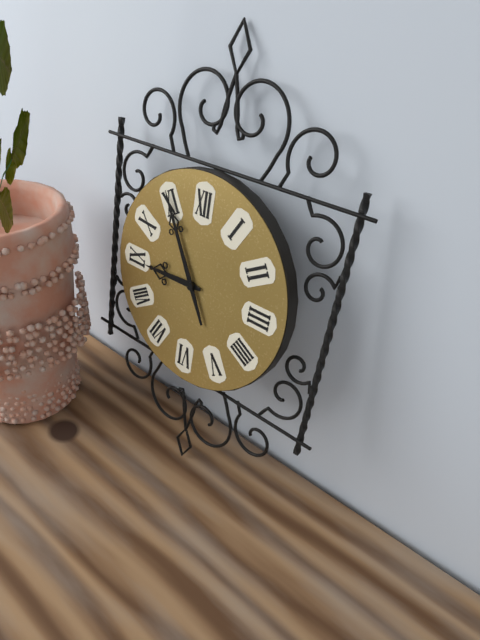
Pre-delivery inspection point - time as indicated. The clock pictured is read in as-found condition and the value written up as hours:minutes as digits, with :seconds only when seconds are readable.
8:55
